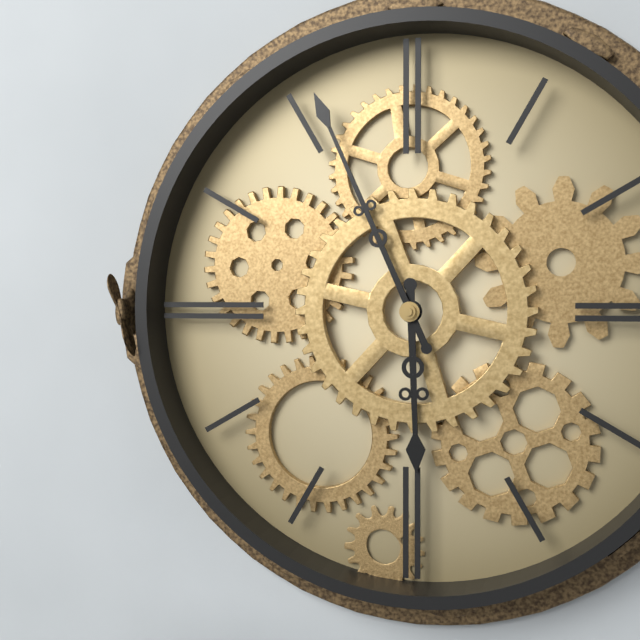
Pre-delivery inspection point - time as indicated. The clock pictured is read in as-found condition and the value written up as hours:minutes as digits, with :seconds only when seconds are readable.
5:56
